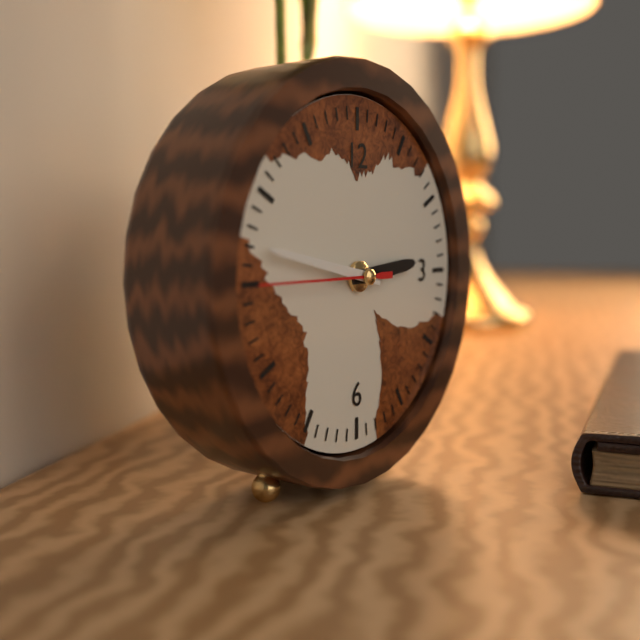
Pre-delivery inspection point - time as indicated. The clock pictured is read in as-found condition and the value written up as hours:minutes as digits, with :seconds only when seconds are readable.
2:47:45
